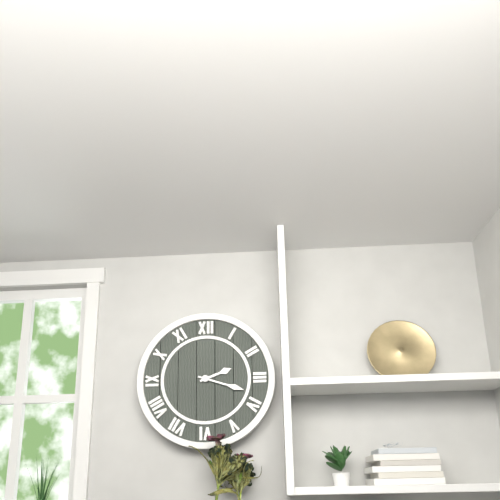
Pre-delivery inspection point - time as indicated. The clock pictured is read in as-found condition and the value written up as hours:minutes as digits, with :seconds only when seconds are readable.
2:18
